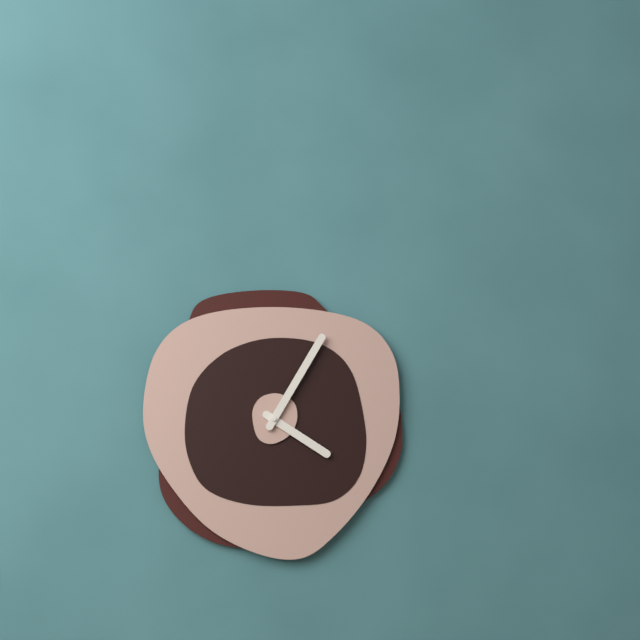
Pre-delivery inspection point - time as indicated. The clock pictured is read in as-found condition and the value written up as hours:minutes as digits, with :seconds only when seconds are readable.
4:05
